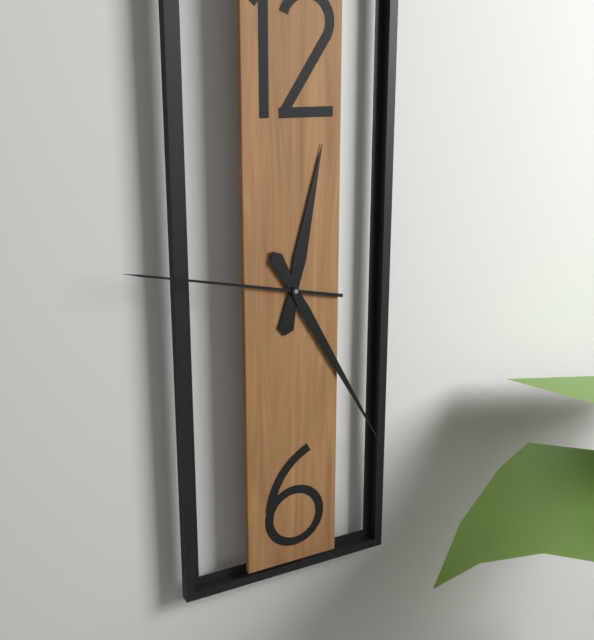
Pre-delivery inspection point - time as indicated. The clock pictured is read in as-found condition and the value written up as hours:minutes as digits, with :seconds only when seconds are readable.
12:25:47
